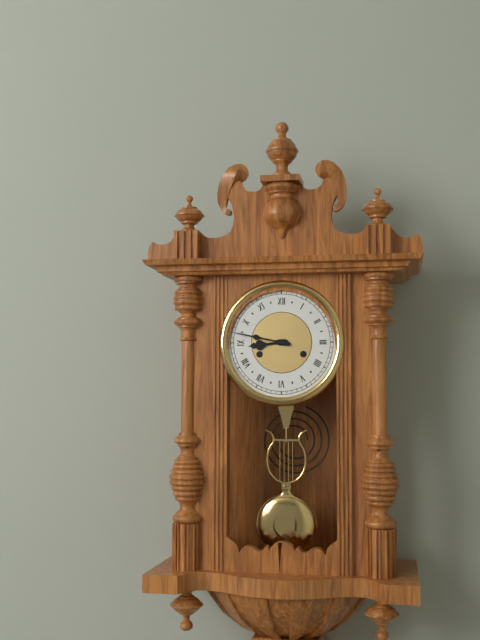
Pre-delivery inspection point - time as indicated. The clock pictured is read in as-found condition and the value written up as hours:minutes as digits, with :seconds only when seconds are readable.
8:47
